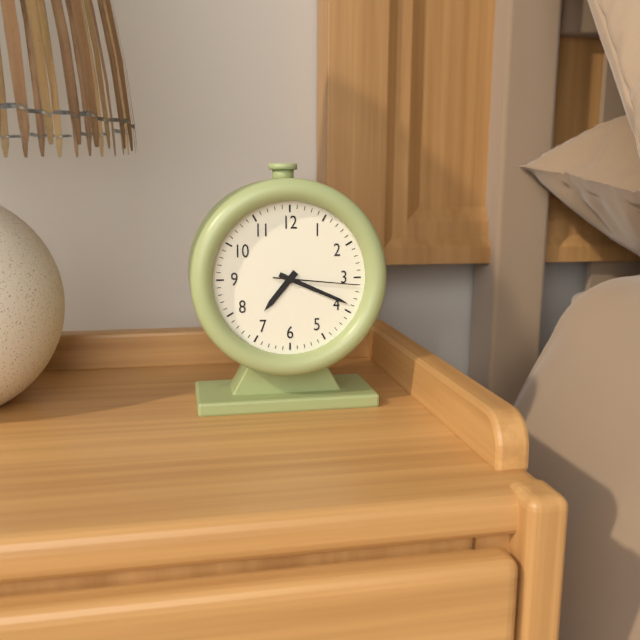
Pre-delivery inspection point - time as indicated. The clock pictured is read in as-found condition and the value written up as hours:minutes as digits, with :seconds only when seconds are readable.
7:19:16
